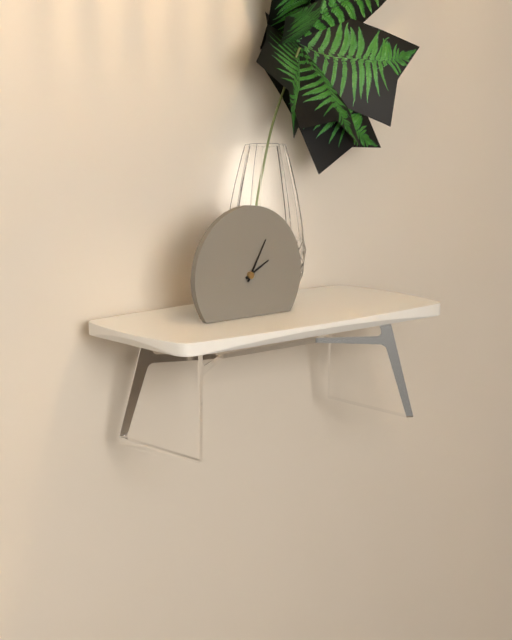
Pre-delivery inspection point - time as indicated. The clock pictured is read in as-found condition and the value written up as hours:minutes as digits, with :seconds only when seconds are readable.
2:05
